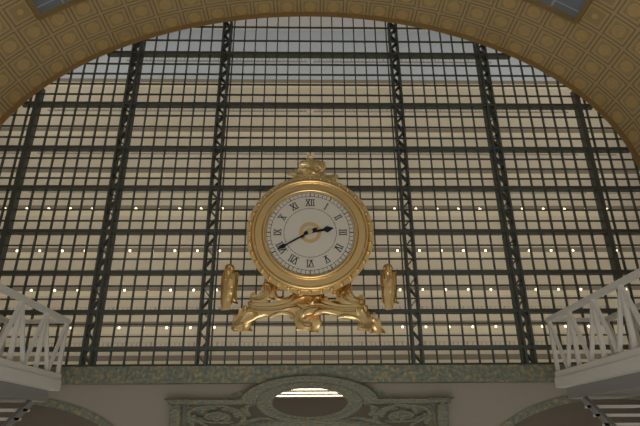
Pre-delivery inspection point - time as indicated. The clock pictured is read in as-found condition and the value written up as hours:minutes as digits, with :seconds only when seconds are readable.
2:40
